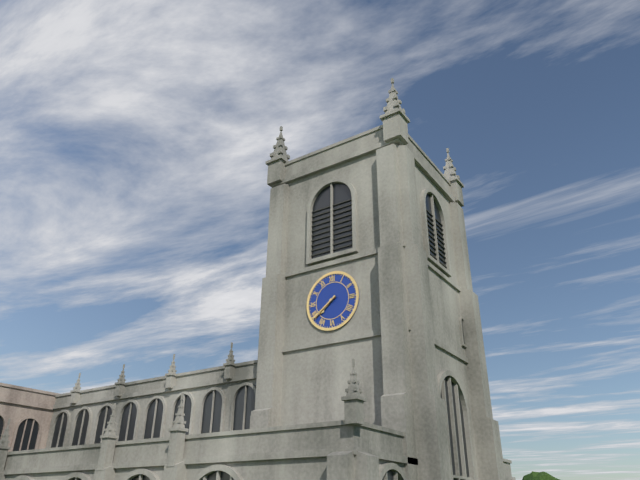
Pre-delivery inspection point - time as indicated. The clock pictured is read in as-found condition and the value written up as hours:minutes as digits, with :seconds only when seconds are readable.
7:39
